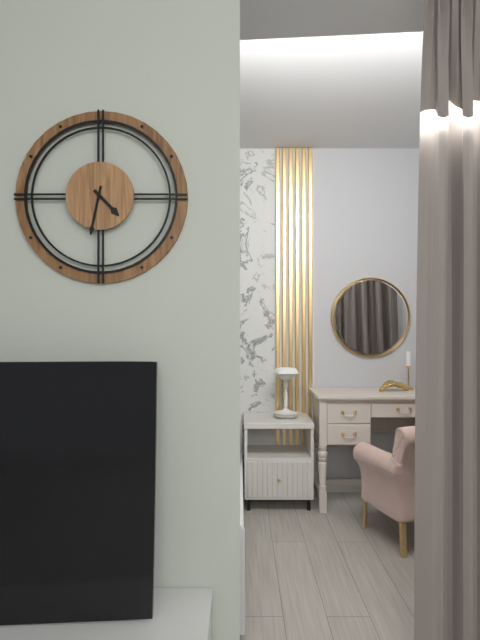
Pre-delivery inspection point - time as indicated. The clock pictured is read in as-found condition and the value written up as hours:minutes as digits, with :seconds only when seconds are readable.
4:32
